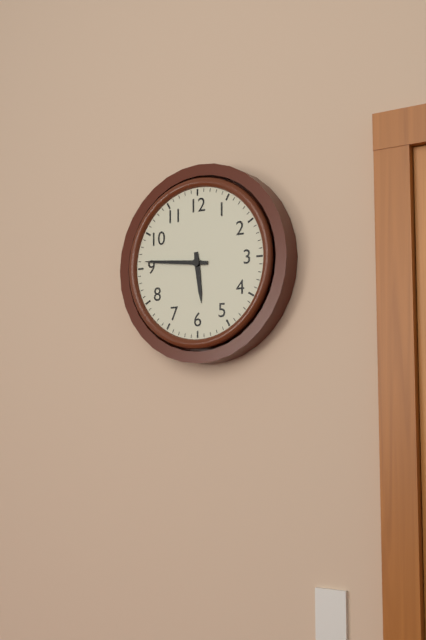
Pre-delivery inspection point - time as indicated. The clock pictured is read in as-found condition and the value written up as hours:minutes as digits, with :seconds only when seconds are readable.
5:46
